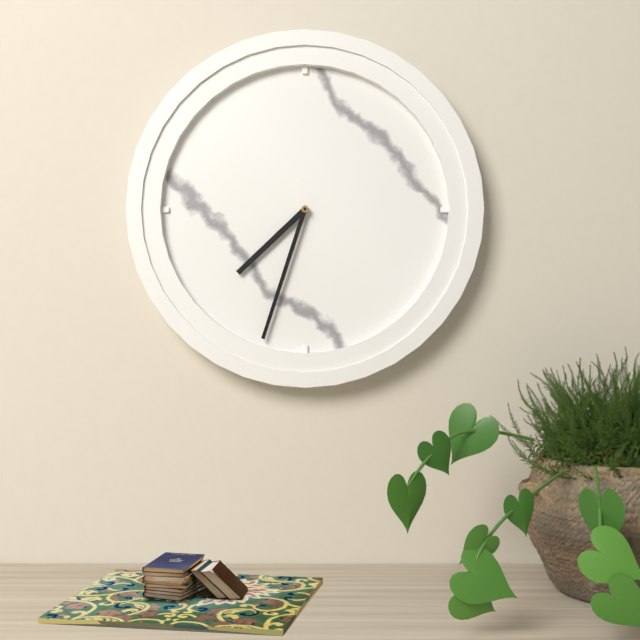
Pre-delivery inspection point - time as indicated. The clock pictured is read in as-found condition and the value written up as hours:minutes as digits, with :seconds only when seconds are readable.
7:33
